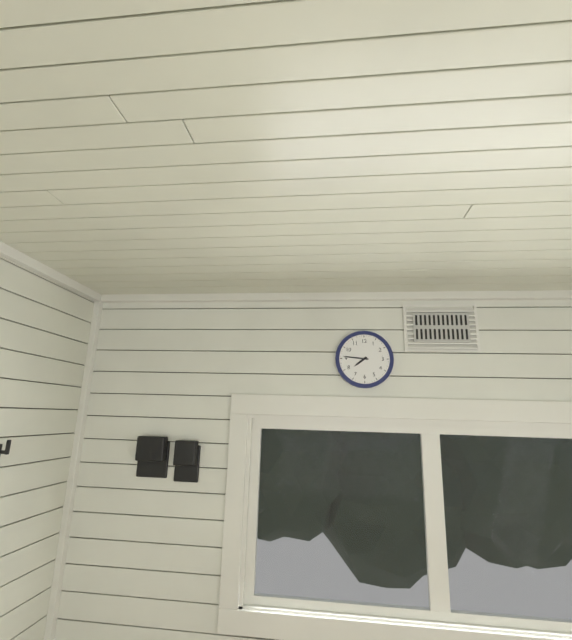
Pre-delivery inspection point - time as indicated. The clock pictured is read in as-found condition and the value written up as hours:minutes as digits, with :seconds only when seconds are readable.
7:46
